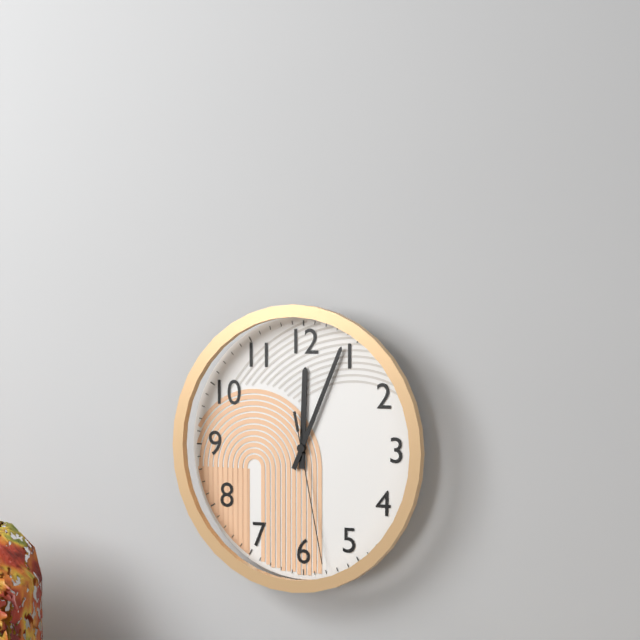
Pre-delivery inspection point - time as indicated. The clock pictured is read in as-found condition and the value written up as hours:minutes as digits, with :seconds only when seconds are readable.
12:04:28
